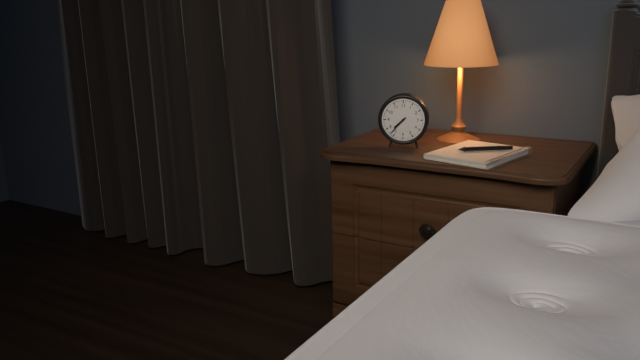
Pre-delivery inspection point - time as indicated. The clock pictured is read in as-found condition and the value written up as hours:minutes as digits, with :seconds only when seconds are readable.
7:37
